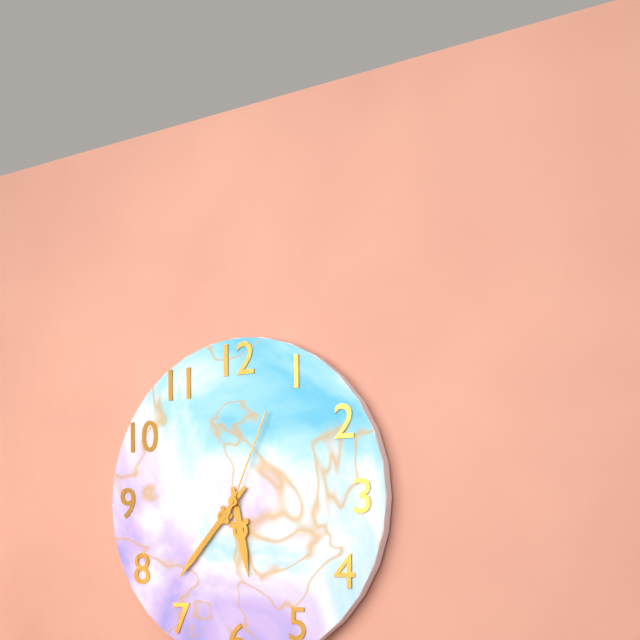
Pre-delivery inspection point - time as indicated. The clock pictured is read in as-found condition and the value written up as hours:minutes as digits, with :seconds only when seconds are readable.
5:37:04
